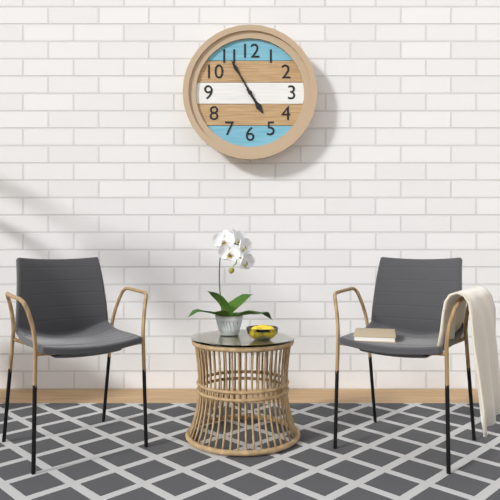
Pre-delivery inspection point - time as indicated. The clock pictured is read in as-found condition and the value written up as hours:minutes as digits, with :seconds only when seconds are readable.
4:55
